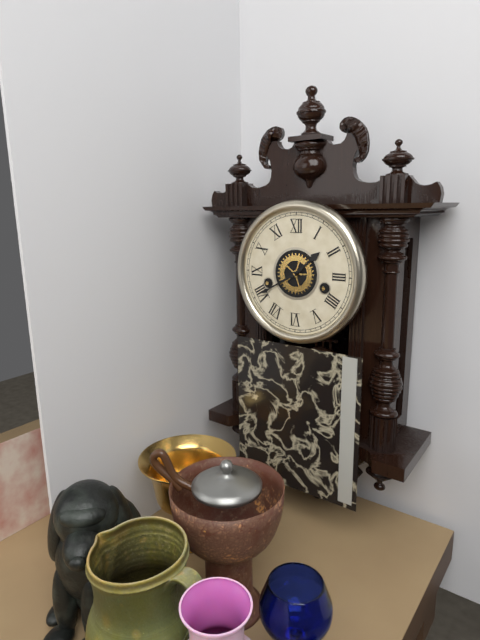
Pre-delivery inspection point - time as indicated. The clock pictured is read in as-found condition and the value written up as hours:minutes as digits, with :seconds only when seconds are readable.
1:40
